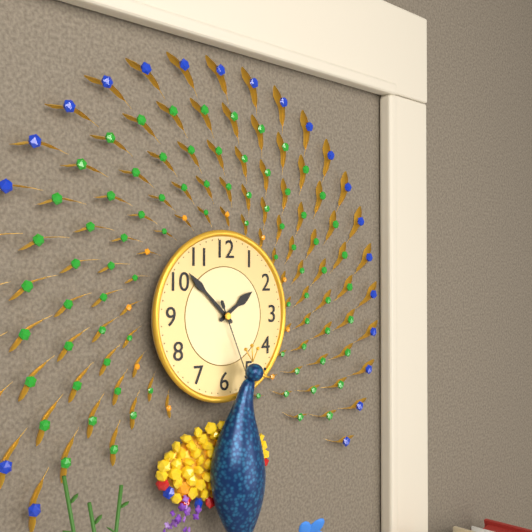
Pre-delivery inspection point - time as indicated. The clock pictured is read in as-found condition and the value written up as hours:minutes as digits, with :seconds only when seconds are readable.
1:52:26
